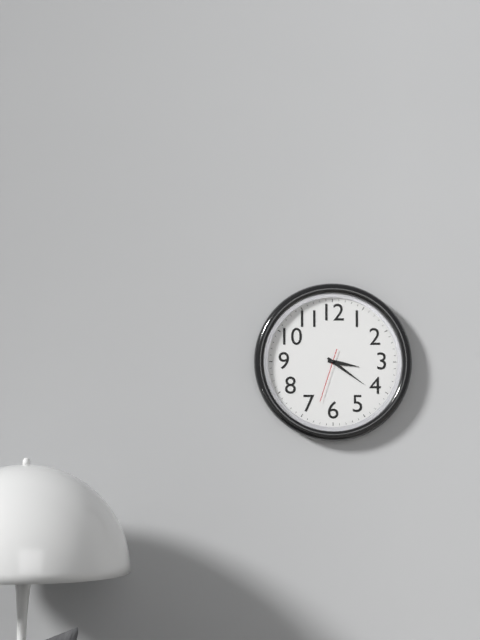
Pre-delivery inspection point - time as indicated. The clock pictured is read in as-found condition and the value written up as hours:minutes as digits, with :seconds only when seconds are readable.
3:21:33
